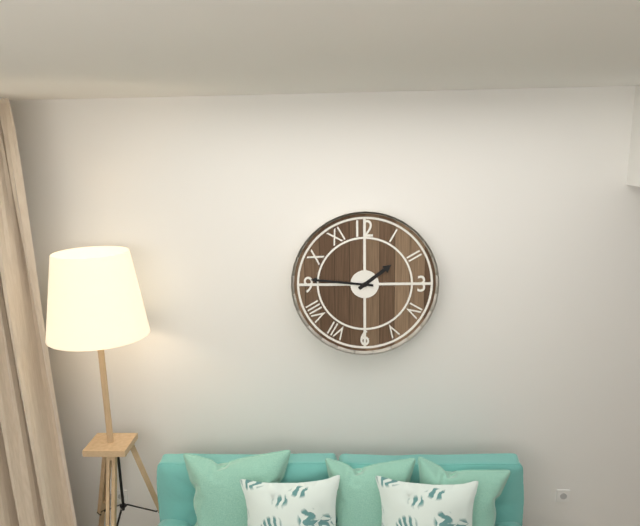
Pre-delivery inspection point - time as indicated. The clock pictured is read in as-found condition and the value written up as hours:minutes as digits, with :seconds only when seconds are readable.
1:46
